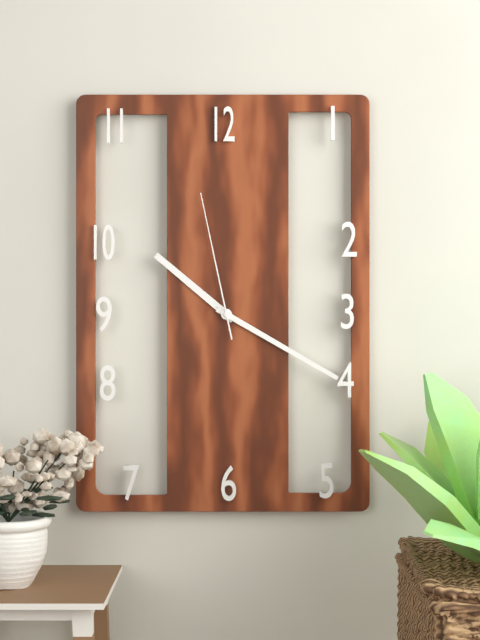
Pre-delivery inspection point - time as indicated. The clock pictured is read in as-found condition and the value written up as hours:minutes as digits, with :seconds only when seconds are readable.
10:20:58
